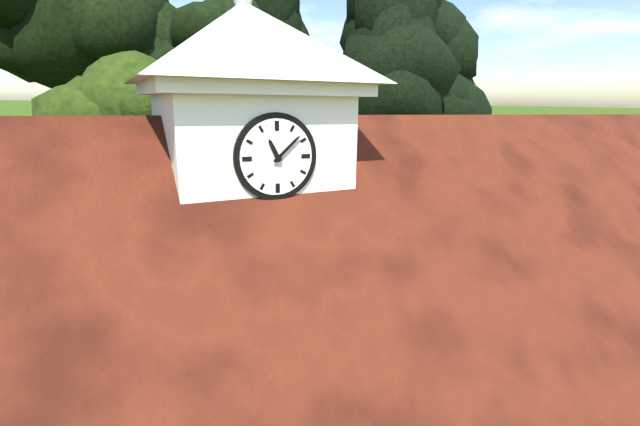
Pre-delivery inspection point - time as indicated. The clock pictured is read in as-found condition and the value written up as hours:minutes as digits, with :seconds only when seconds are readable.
11:08
